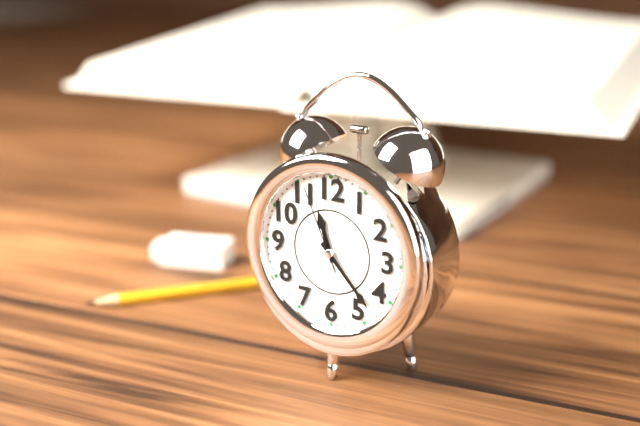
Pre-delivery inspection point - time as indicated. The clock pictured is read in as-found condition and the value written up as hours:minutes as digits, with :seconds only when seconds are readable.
11:23:56
